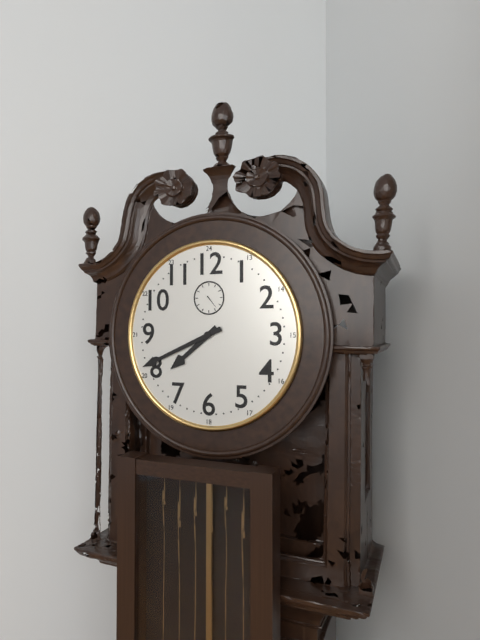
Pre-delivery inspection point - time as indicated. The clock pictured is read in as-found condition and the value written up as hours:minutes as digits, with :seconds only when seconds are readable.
7:41
